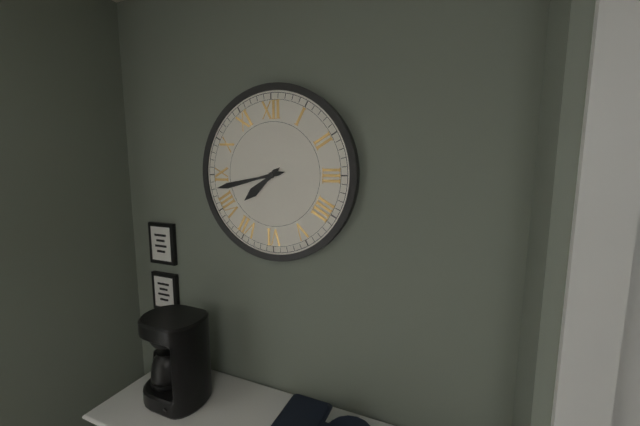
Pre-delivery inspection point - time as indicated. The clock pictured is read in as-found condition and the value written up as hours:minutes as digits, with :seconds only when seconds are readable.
7:43
